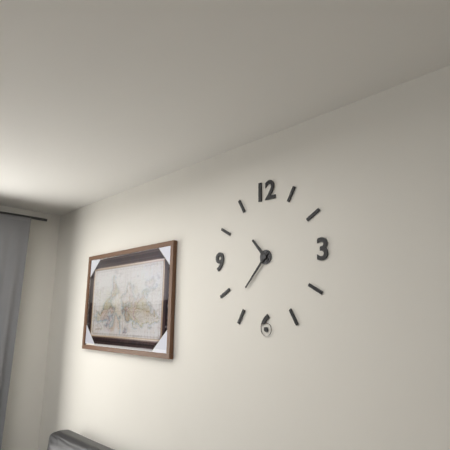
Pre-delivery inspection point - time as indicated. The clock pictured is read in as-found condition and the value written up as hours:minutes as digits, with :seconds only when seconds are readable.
10:37
